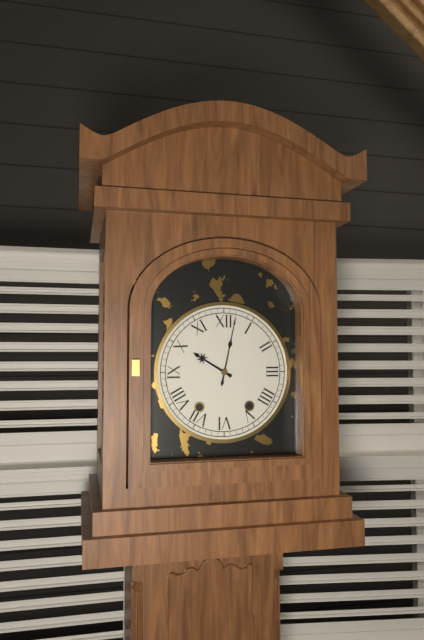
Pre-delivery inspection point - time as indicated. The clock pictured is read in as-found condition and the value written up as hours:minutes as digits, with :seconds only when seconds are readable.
10:02
